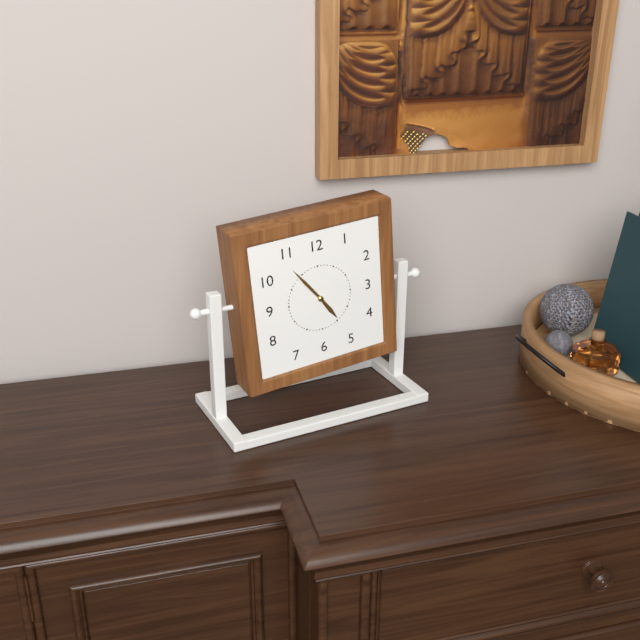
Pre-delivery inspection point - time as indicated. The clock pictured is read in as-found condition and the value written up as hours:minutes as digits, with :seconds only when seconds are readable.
4:54
